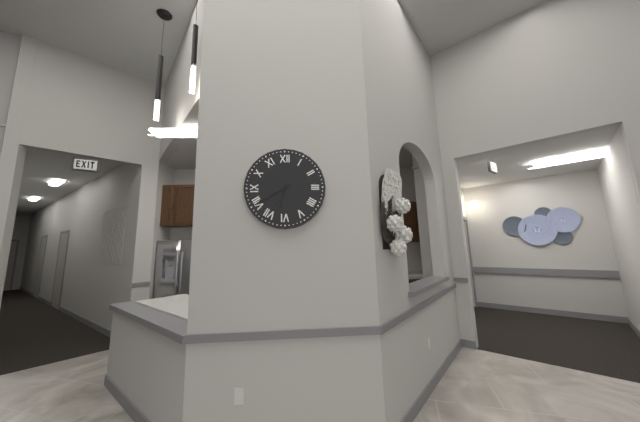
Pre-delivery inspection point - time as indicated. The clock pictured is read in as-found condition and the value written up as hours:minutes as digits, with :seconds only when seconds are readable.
6:40
